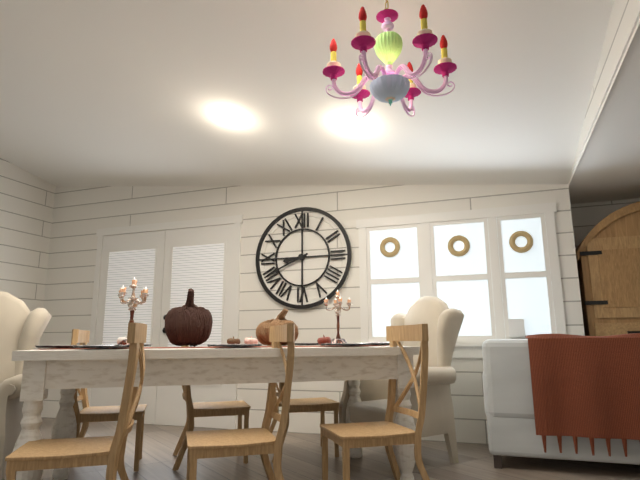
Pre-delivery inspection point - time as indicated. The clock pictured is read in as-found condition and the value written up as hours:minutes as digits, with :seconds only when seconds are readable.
8:41
